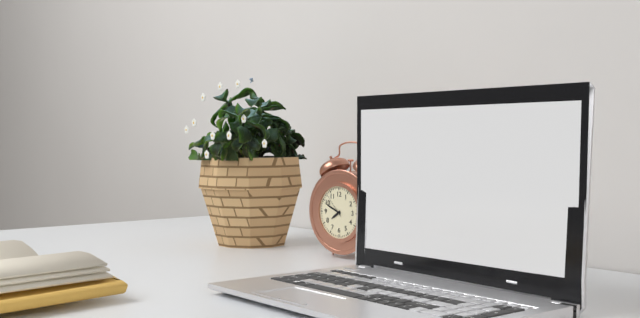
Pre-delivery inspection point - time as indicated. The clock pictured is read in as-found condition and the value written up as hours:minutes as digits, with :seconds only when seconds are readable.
7:49
